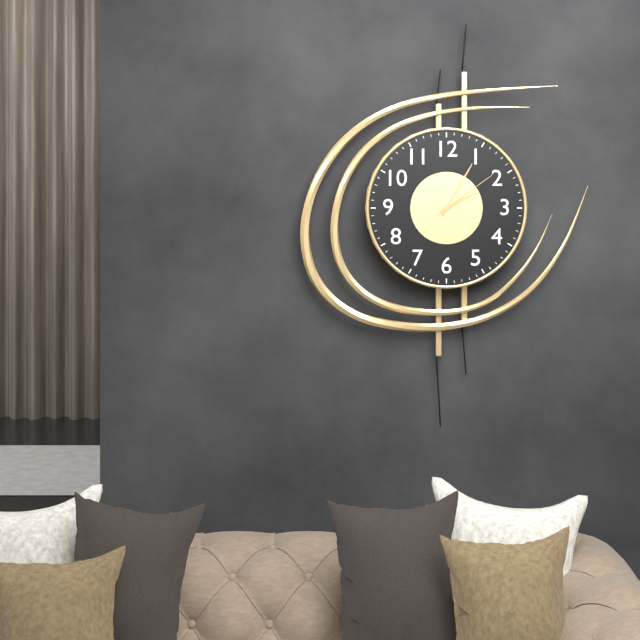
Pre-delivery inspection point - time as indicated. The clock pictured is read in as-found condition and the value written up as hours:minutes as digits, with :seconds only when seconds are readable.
2:05:09
